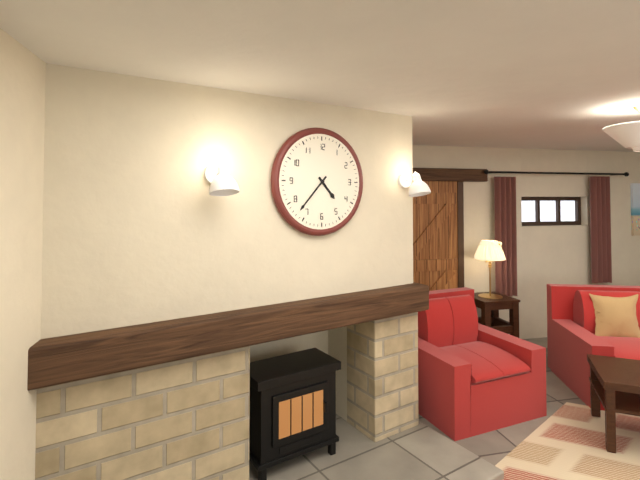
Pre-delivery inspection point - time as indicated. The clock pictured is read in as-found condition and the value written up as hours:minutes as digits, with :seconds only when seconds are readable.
4:37
